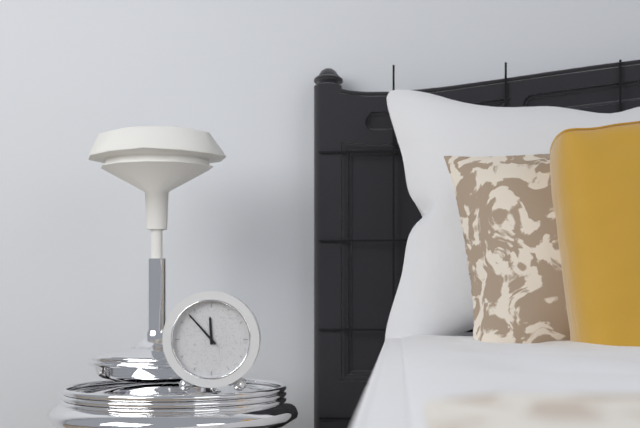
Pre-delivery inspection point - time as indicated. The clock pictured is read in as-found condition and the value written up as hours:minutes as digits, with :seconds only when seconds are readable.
11:53
